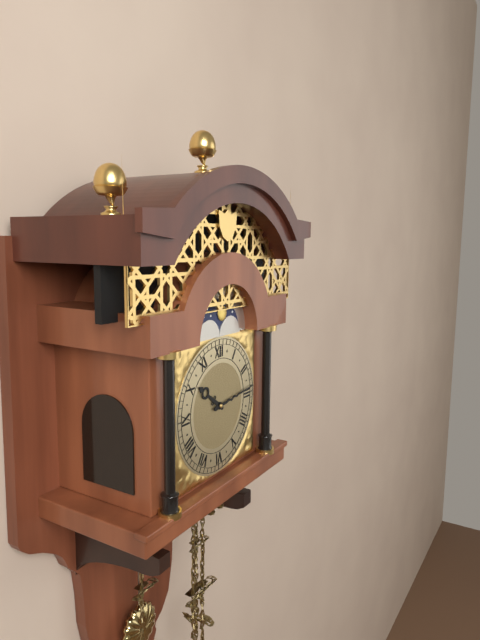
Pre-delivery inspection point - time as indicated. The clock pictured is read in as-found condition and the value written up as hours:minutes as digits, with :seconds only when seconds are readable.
10:14
